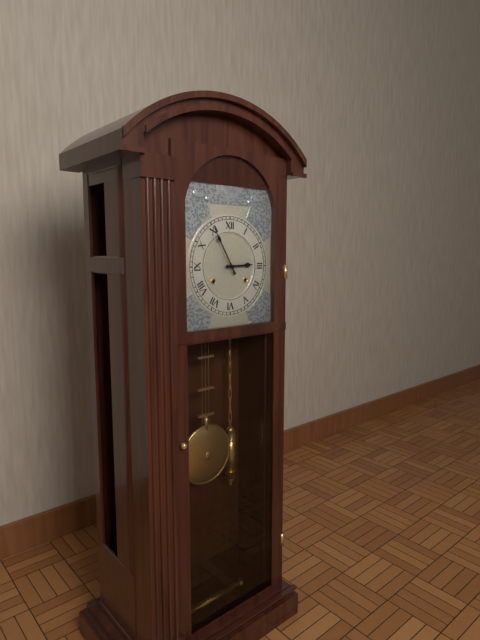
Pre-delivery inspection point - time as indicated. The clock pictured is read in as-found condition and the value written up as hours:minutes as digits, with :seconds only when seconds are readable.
2:55
